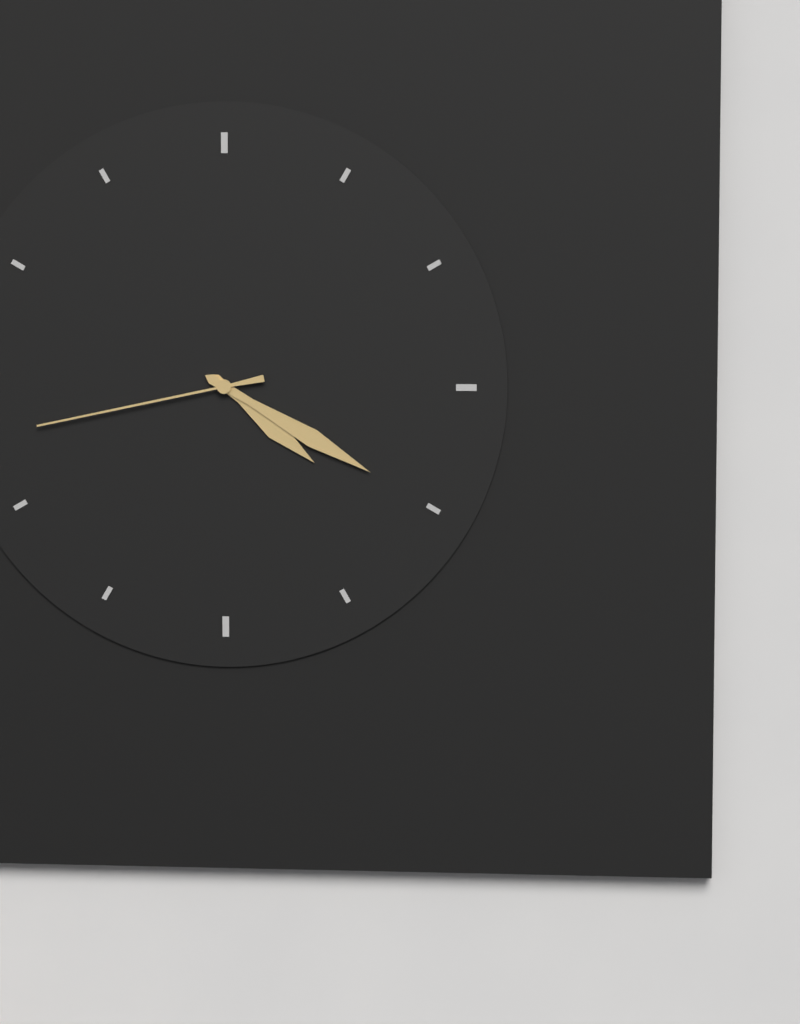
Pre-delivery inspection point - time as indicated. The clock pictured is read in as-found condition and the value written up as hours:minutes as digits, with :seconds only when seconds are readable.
4:20:43
